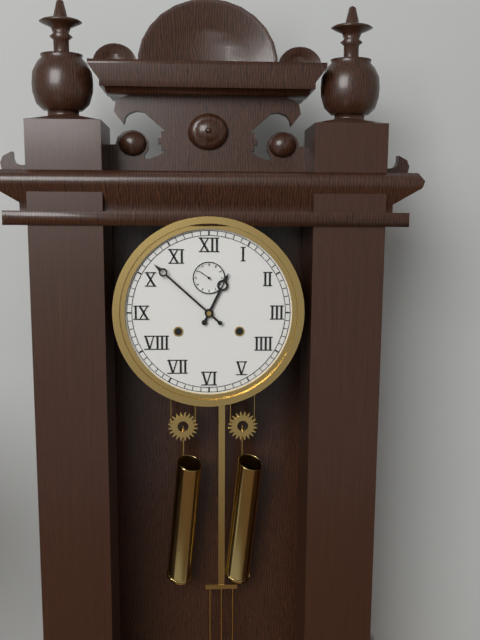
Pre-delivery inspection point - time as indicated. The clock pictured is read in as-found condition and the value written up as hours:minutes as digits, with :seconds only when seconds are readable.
12:52
